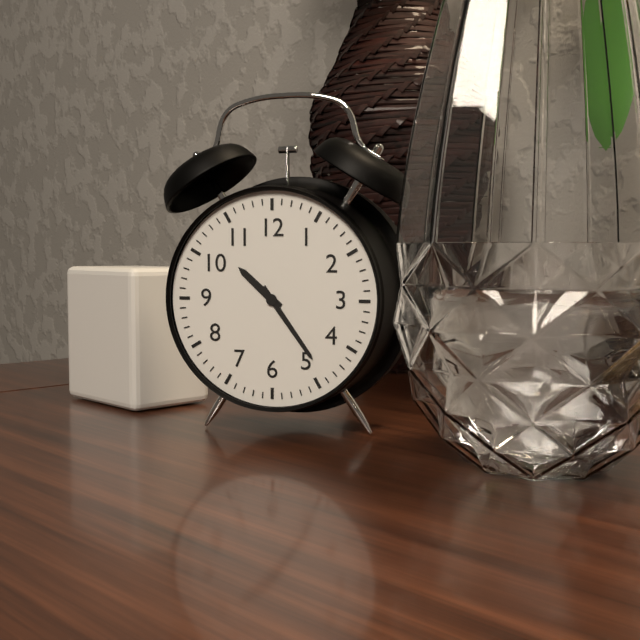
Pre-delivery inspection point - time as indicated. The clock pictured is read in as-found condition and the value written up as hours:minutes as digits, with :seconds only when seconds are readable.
10:24
